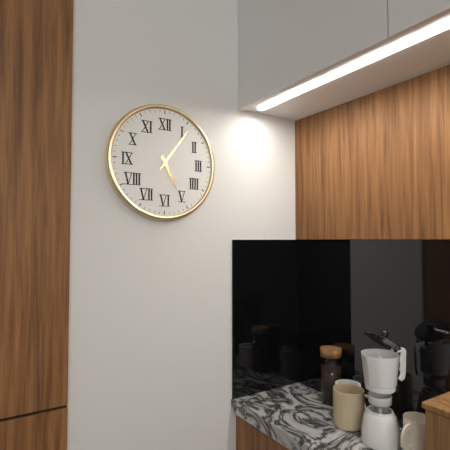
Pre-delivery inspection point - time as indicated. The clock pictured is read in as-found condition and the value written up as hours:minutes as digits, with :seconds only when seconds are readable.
5:06
